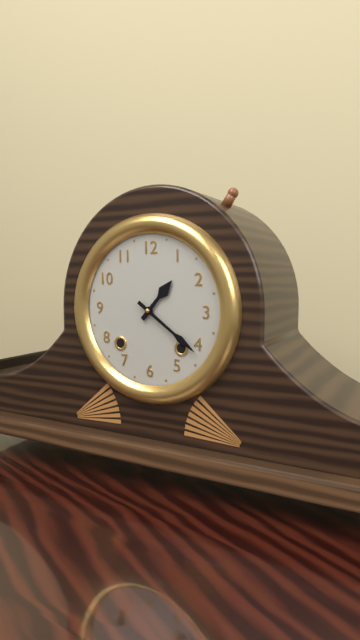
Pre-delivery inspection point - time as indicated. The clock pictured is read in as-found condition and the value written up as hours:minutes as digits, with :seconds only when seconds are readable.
1:21
